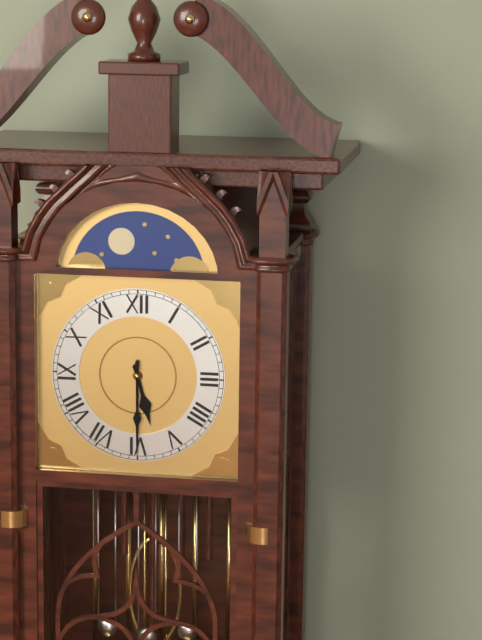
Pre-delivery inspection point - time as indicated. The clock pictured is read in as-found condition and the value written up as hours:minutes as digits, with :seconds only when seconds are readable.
5:30
